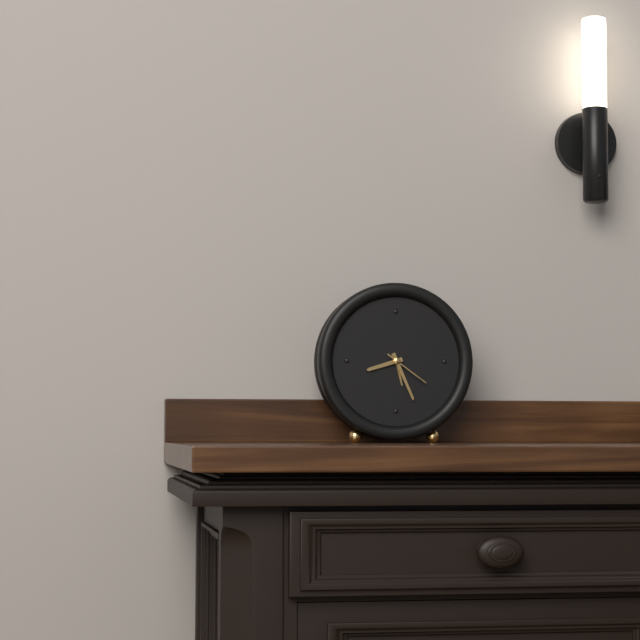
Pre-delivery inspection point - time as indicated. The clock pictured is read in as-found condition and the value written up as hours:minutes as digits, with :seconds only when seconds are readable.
8:26
